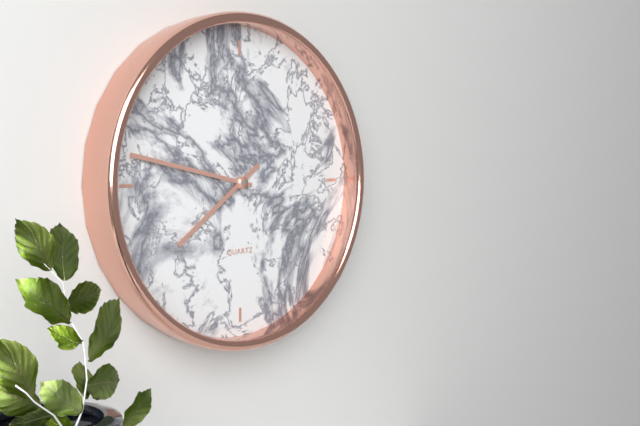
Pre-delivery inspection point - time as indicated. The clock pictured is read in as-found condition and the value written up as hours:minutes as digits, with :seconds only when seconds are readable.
7:47
